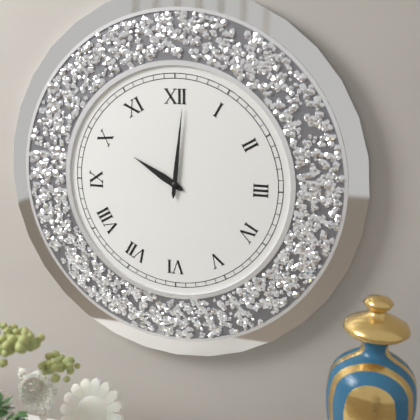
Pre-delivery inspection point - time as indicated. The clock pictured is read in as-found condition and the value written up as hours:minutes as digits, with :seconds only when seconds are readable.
10:01
